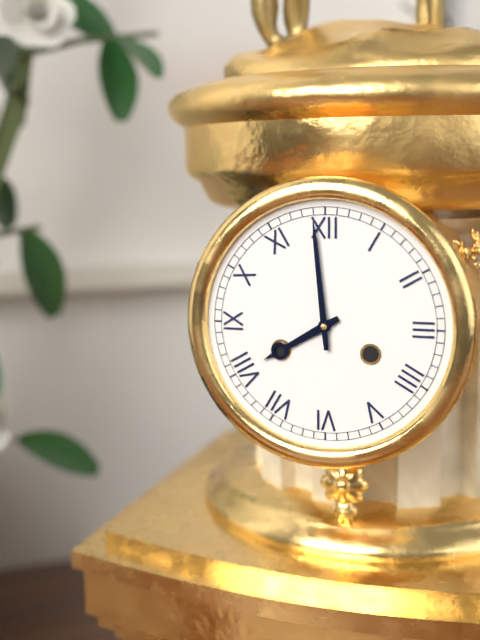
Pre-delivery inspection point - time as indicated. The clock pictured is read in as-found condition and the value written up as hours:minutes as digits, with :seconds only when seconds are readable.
7:59
